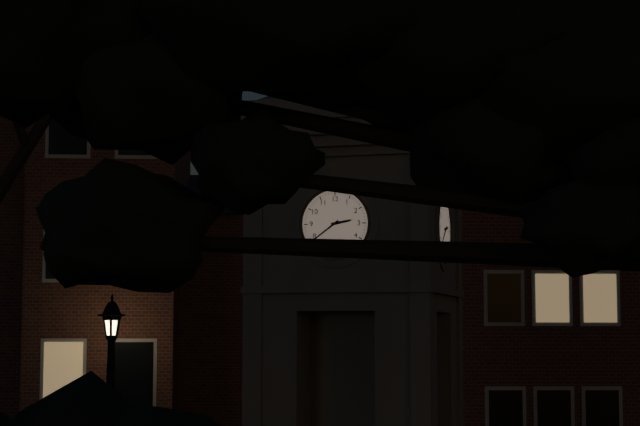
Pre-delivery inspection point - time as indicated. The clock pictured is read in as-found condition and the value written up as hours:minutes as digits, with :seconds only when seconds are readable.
2:39
